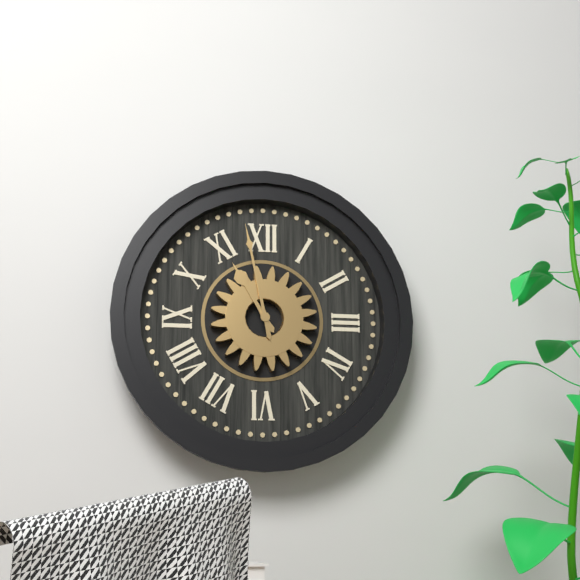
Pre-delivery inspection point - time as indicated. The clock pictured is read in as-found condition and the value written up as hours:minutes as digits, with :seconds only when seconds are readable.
10:58
